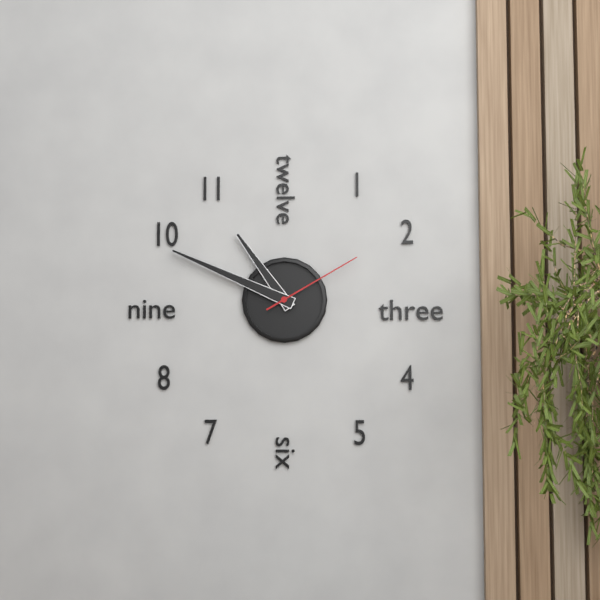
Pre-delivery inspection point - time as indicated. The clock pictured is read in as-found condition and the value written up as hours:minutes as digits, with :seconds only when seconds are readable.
10:49:10
